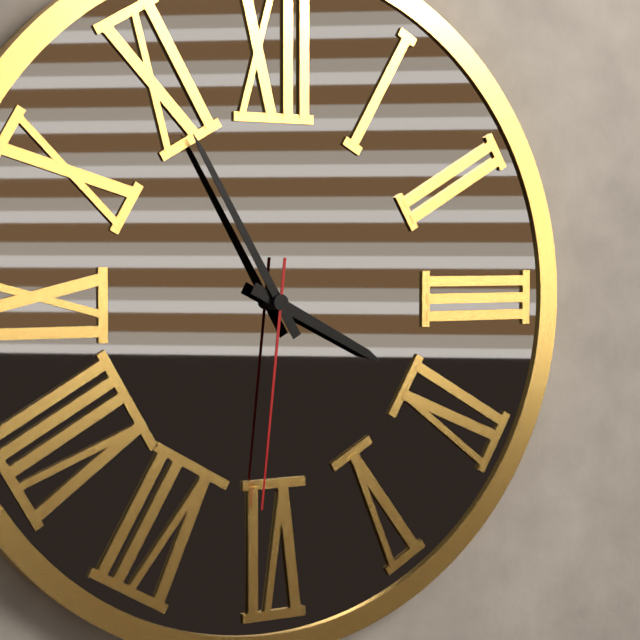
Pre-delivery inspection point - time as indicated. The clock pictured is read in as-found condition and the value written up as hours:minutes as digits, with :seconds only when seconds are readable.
3:55:31
